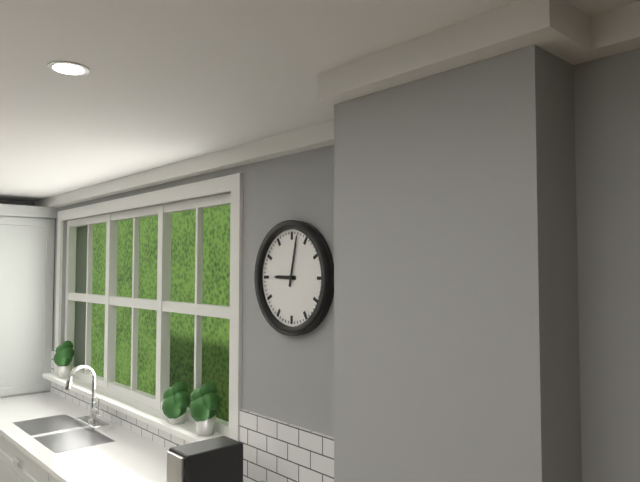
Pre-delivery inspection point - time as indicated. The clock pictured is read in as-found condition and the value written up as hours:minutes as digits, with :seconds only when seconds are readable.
9:02
